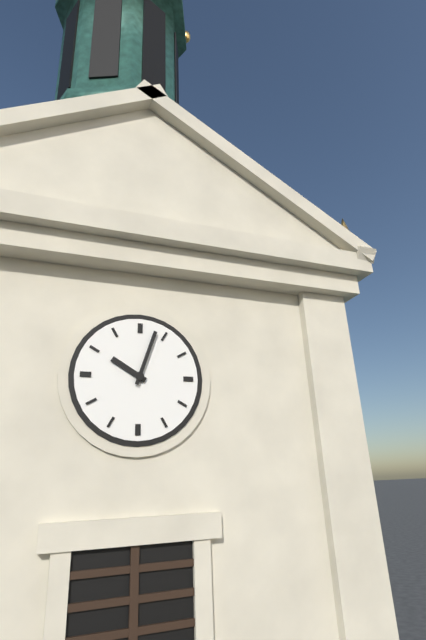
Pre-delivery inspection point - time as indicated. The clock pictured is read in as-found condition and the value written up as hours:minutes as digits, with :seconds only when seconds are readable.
10:03
